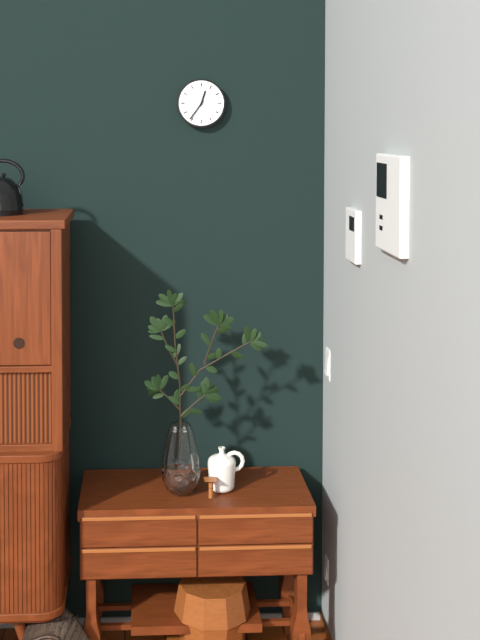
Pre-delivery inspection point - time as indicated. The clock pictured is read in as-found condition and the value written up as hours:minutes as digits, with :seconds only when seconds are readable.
12:36
